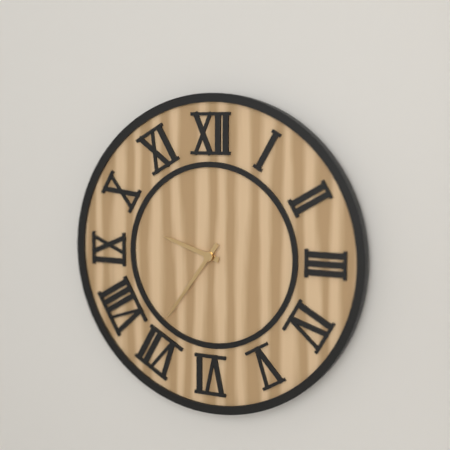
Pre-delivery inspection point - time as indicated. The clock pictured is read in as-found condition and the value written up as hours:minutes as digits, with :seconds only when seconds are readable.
9:36
